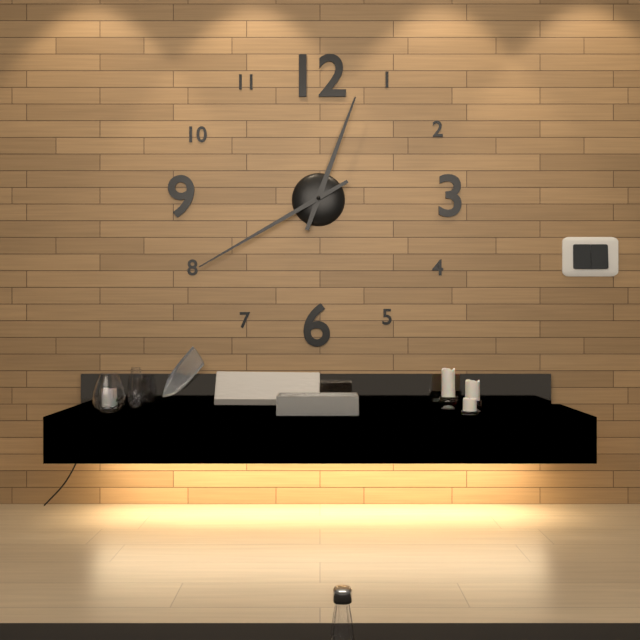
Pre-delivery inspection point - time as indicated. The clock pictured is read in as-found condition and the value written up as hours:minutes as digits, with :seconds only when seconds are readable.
12:40
